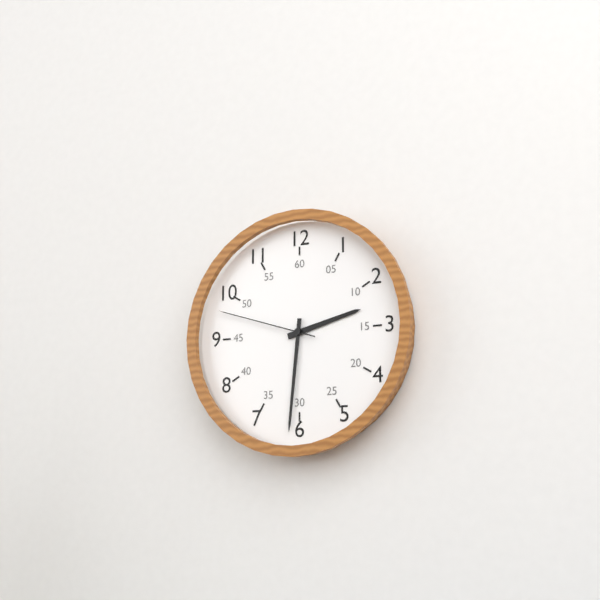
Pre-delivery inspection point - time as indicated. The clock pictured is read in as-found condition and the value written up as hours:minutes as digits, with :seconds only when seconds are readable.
2:31:48
